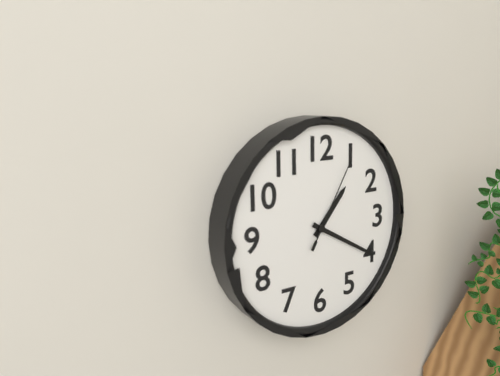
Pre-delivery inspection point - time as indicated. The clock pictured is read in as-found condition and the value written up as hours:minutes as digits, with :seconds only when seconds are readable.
1:20:05
